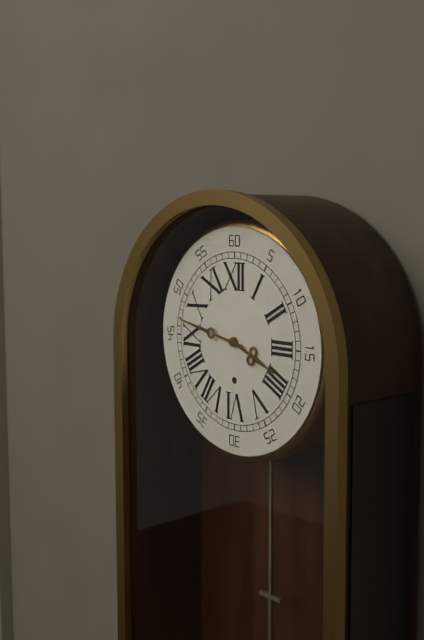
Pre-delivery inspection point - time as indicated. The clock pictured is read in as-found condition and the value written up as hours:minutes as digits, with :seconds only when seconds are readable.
3:47
